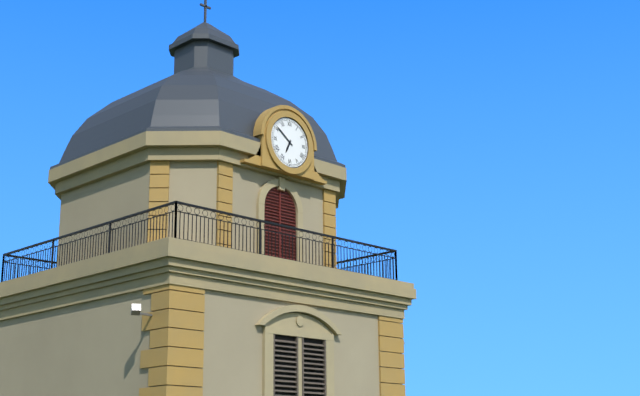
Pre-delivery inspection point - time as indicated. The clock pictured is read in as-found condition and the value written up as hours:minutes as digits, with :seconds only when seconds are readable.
6:51
